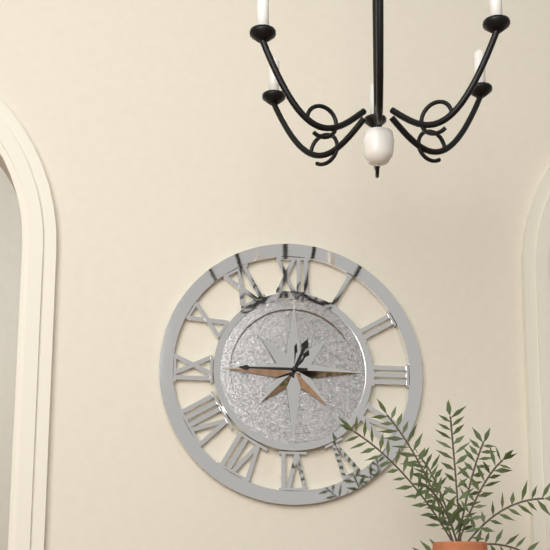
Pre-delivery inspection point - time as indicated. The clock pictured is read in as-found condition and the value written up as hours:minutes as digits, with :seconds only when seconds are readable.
12:45
